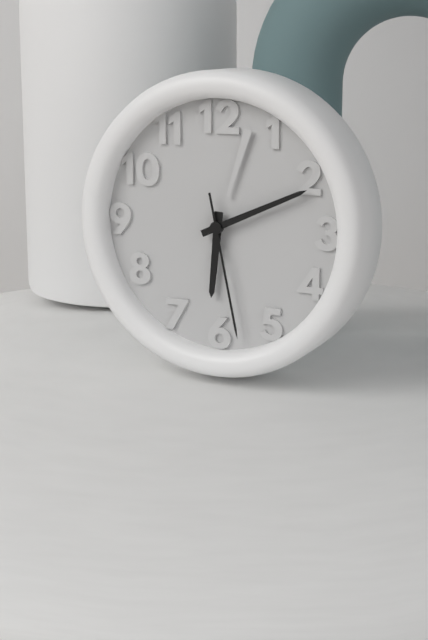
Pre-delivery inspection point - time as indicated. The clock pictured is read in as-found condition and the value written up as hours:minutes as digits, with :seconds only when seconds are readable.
6:11:28
